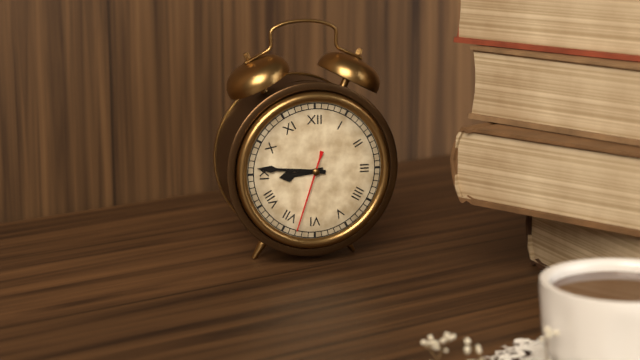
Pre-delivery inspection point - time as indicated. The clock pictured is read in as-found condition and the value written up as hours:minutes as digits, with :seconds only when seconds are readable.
8:46:33
